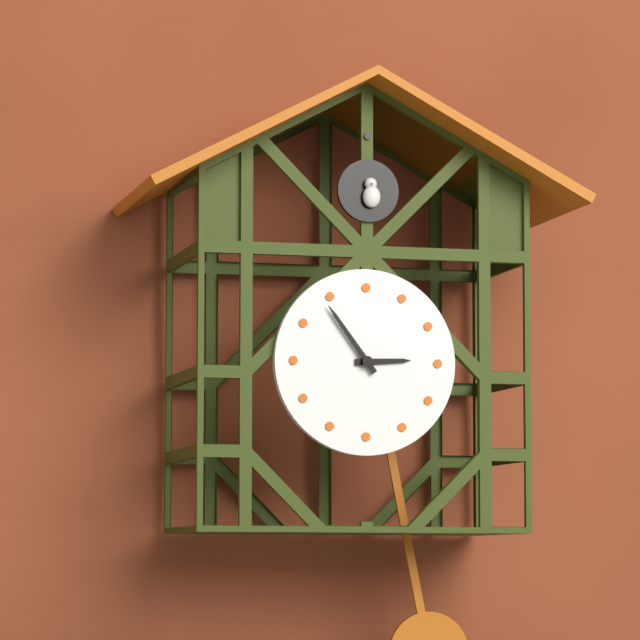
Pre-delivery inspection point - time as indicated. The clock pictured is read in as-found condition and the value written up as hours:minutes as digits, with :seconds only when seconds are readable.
2:54
